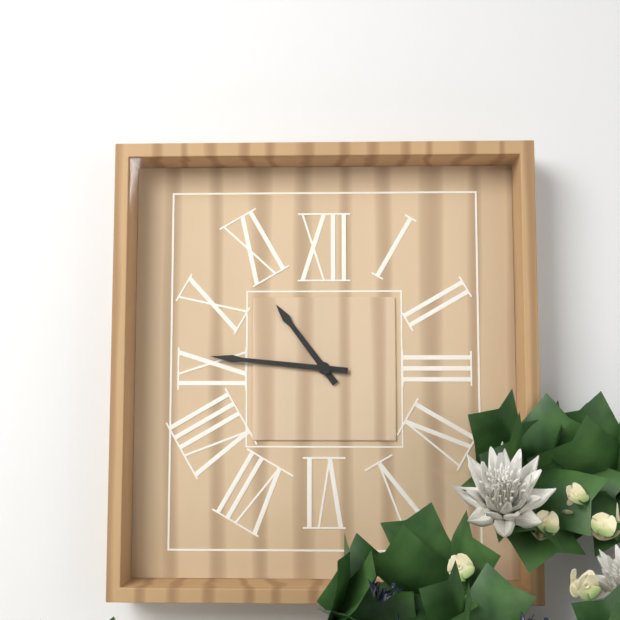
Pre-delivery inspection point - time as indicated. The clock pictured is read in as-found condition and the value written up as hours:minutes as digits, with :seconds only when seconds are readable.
10:46
